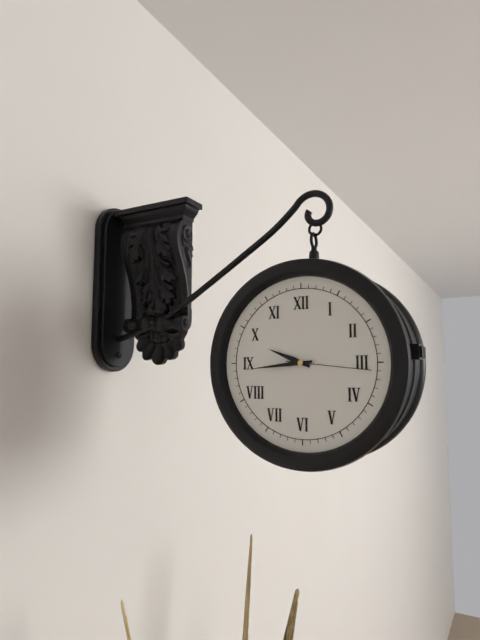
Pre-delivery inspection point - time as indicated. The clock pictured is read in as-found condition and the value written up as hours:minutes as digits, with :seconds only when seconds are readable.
9:44:16
